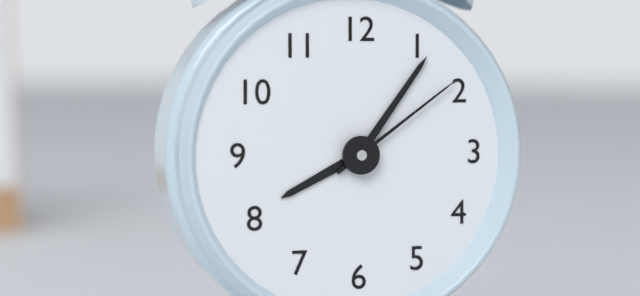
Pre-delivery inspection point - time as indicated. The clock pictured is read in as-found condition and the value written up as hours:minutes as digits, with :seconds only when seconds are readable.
8:06:09
